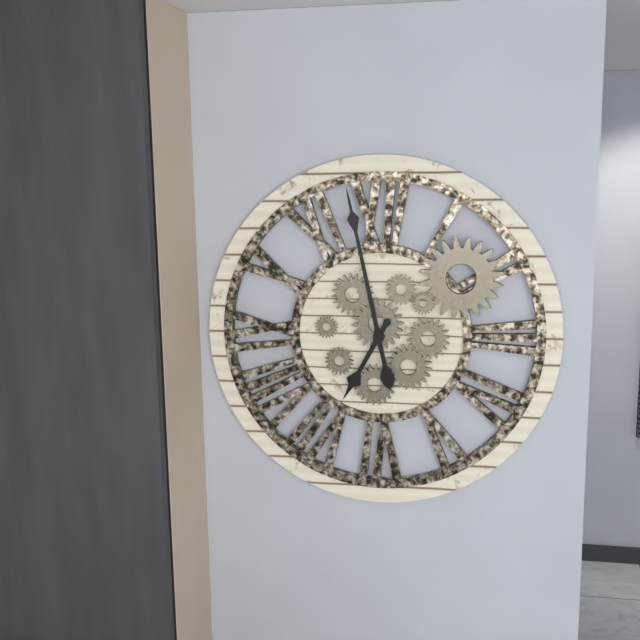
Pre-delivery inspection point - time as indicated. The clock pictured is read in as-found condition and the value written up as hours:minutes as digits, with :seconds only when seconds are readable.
6:58
